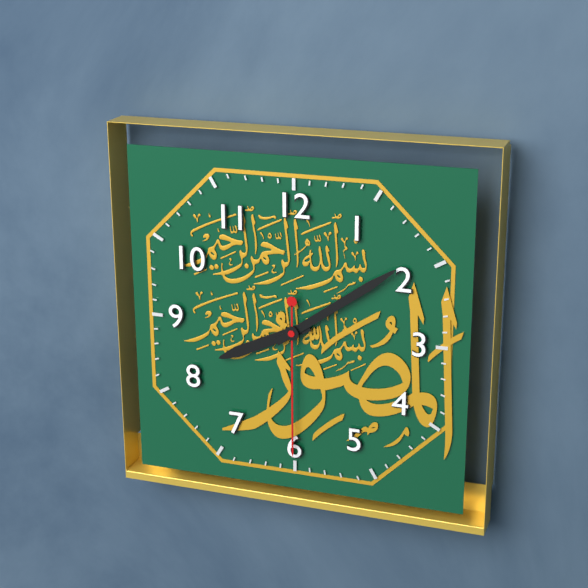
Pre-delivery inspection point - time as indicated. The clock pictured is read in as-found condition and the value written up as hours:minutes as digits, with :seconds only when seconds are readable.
8:09:30
